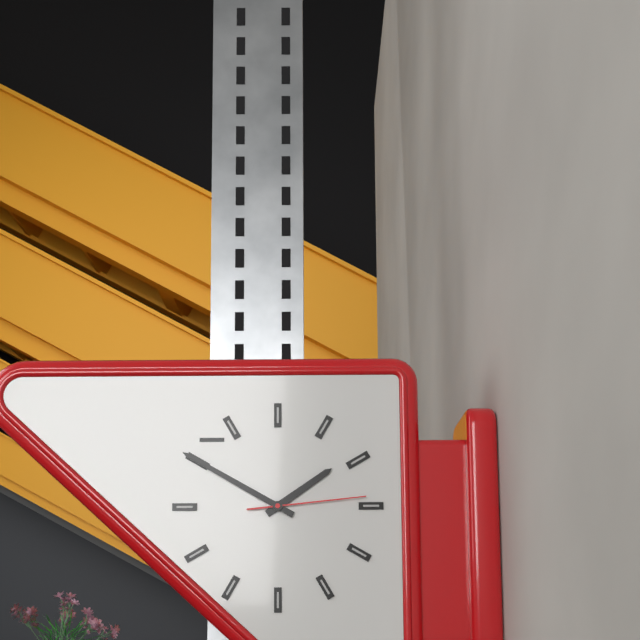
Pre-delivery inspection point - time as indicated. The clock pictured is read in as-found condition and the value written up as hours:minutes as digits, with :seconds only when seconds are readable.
1:50:14
